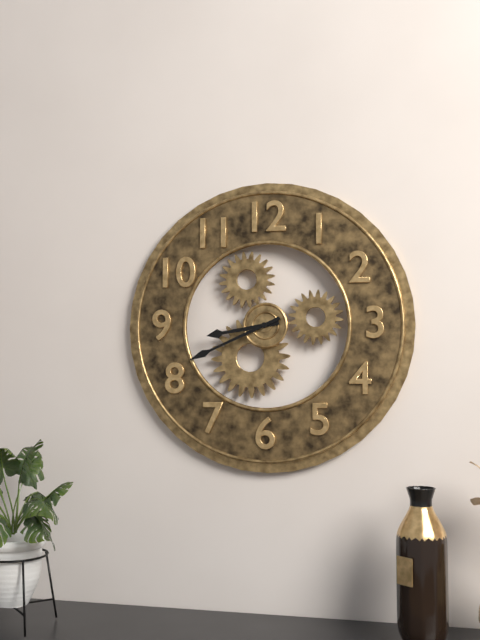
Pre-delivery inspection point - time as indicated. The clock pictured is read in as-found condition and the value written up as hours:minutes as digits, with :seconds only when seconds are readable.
8:41
